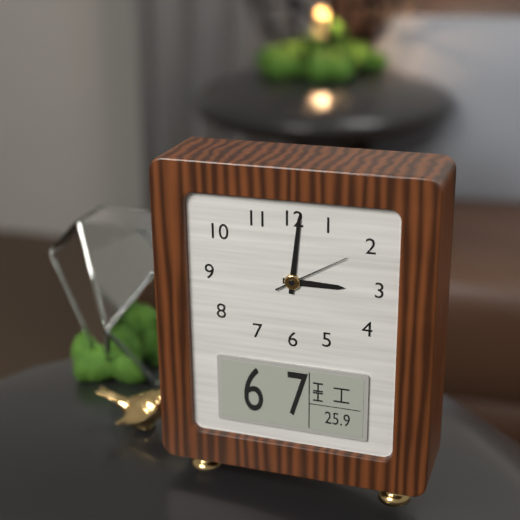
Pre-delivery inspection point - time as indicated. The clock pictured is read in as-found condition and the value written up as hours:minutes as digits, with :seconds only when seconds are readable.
3:01:10
